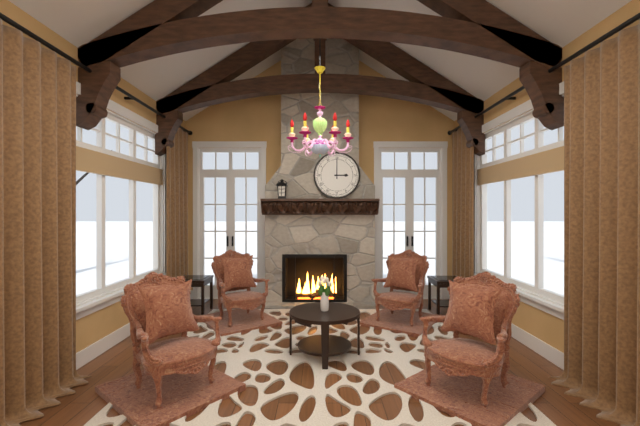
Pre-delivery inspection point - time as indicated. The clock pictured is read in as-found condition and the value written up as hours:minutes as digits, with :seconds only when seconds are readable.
3:00
